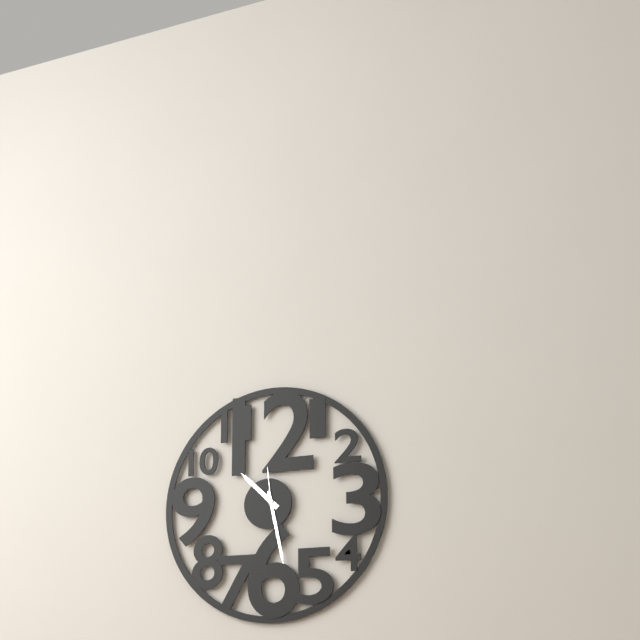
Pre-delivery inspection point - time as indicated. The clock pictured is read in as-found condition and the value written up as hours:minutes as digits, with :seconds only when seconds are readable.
10:28
